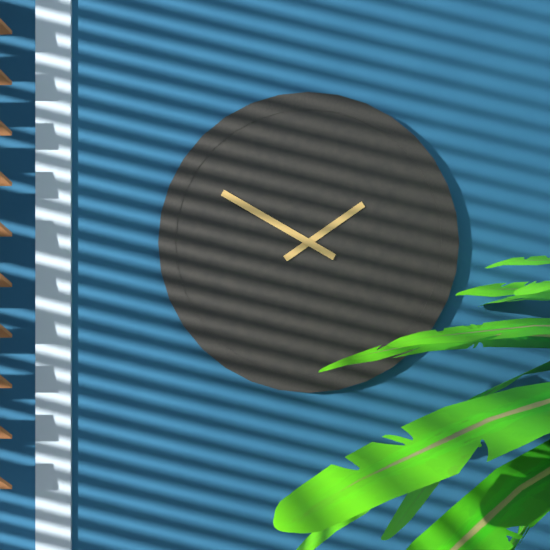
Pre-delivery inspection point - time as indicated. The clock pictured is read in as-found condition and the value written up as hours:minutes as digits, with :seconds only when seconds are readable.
1:50
